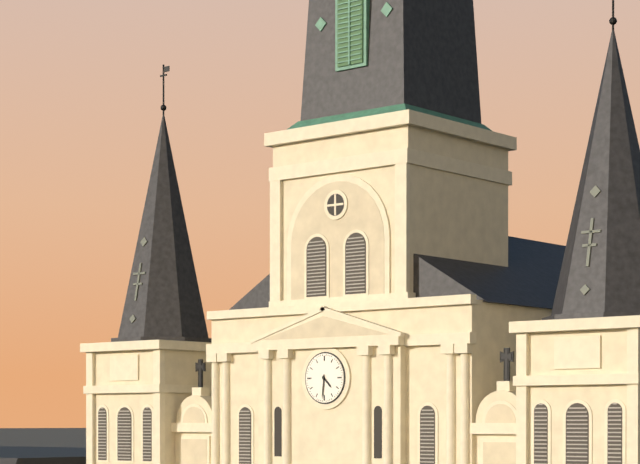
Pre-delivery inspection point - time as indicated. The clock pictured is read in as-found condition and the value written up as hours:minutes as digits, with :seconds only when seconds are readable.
4:31
